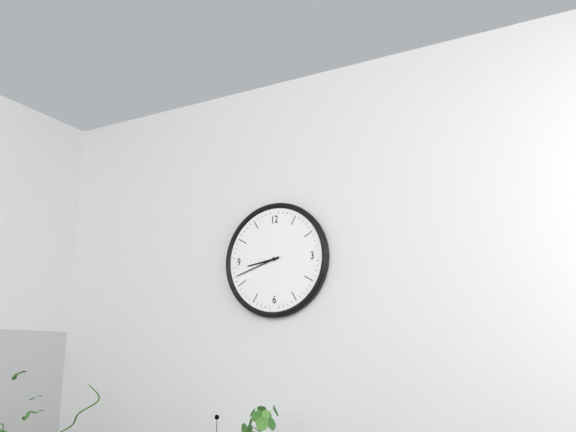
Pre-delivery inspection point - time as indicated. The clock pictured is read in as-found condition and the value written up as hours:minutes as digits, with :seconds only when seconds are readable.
8:42
